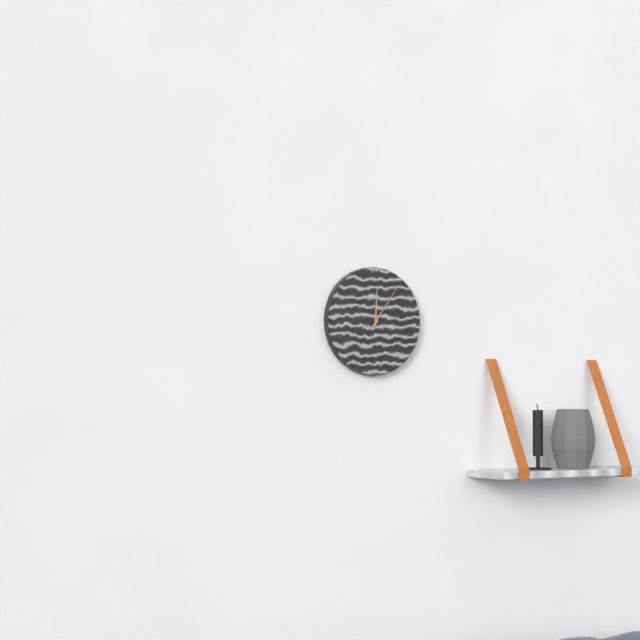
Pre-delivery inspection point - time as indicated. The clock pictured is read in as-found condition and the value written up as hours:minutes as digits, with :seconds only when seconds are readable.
12:06
